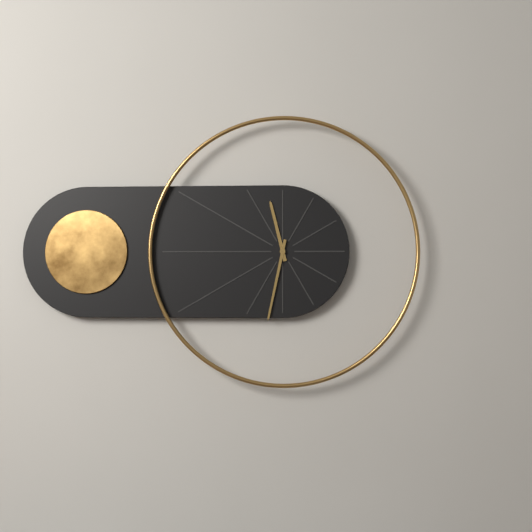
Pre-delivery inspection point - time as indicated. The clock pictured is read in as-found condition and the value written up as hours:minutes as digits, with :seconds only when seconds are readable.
11:32
